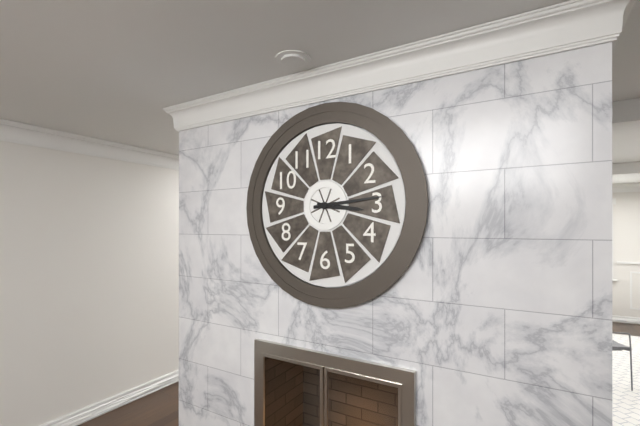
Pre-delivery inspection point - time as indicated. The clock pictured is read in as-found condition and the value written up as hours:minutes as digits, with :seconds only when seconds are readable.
3:14
